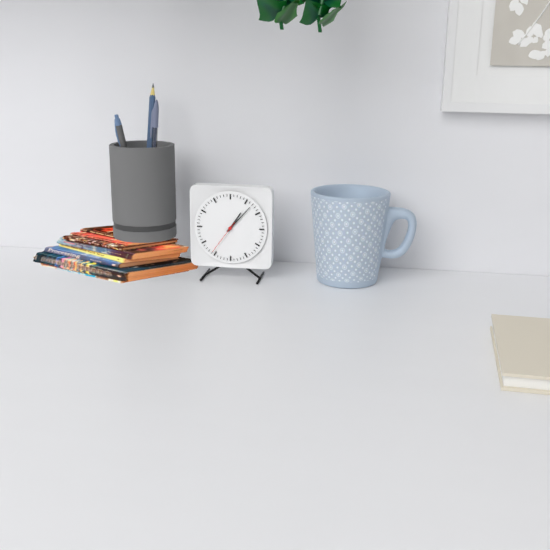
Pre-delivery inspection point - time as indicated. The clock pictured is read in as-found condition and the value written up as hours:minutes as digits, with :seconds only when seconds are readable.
1:07
